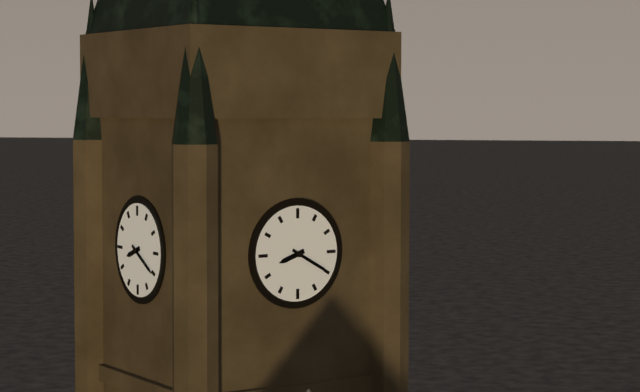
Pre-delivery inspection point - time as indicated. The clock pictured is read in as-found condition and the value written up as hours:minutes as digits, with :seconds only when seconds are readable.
8:20
